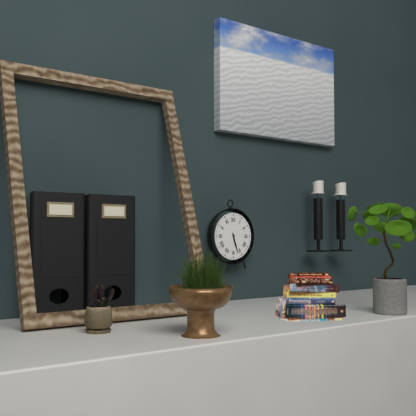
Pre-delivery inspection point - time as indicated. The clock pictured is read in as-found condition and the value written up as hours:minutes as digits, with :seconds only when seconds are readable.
5:27
